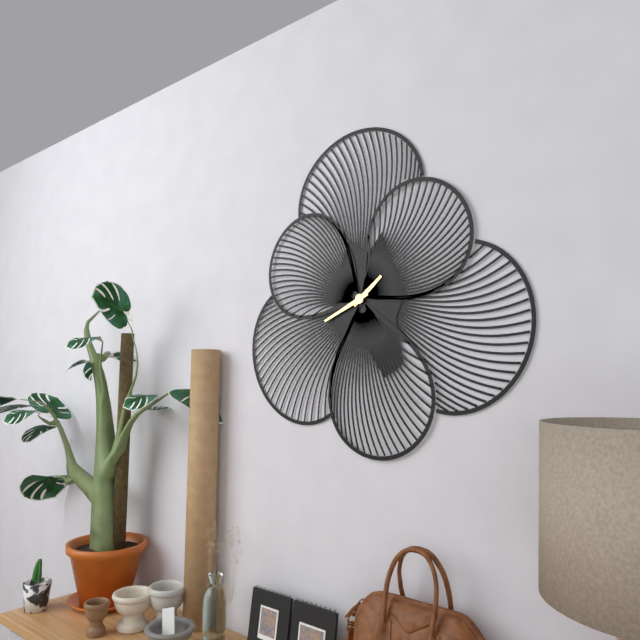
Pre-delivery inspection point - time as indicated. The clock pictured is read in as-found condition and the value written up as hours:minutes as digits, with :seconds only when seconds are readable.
1:41
